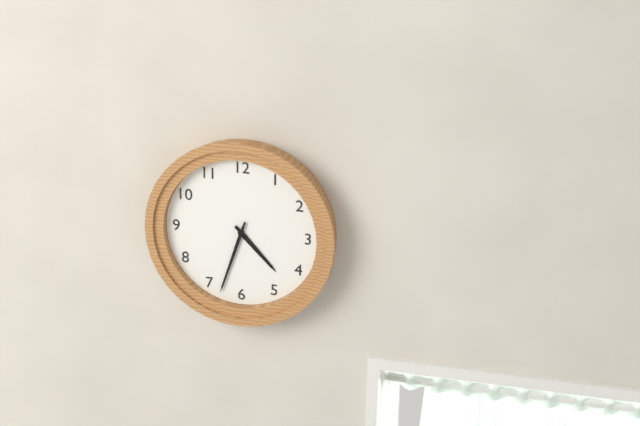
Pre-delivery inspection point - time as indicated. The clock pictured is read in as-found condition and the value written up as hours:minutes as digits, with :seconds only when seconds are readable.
4:33
